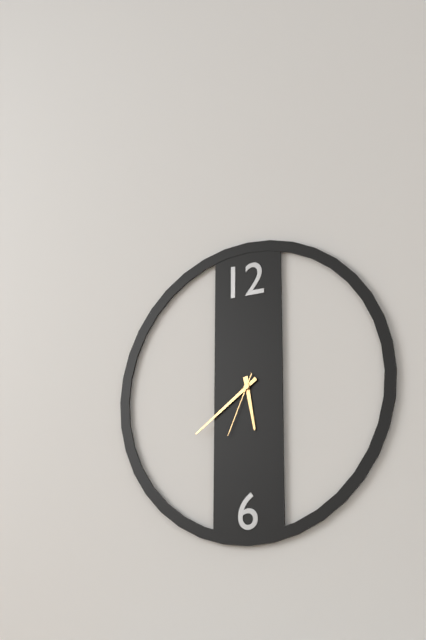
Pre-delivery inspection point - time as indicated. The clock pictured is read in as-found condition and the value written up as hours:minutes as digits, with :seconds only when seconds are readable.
5:39:34
